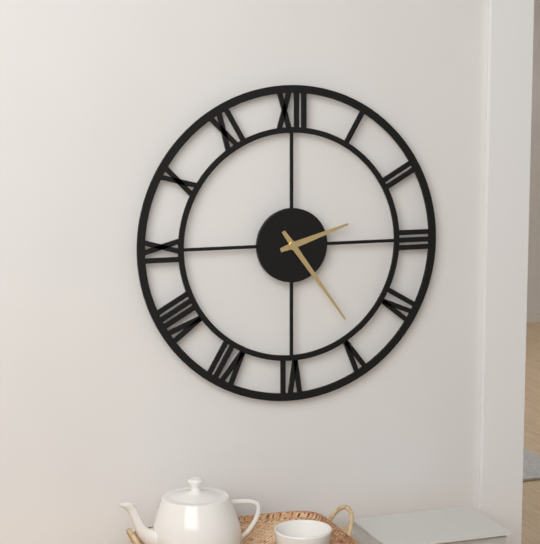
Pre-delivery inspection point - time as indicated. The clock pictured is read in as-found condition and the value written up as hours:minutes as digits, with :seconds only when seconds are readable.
2:24
